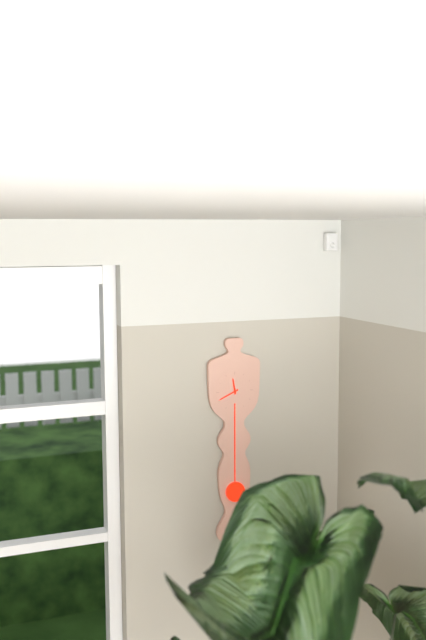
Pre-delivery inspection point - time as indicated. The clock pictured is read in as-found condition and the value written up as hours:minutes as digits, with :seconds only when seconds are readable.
11:41
